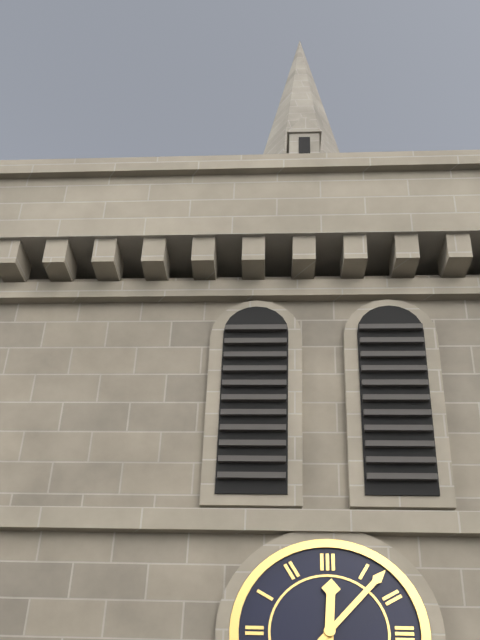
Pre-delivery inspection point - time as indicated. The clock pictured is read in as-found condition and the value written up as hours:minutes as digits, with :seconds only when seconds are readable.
12:07
